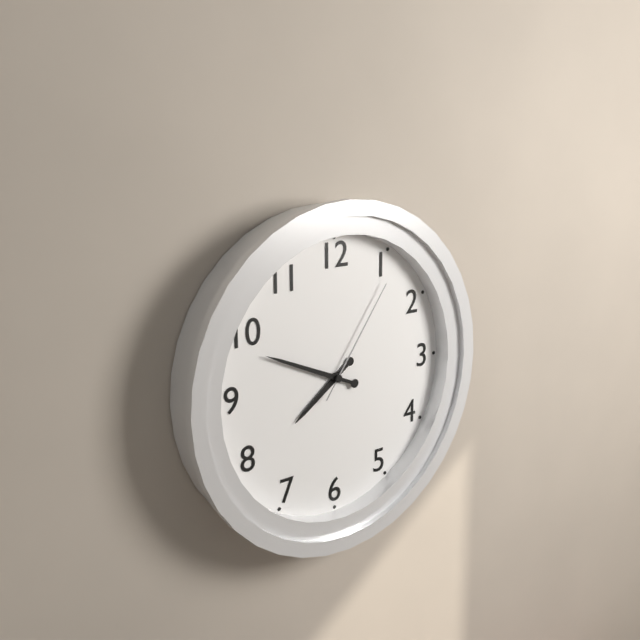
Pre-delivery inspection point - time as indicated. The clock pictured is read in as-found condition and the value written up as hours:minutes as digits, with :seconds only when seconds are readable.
7:49:06
